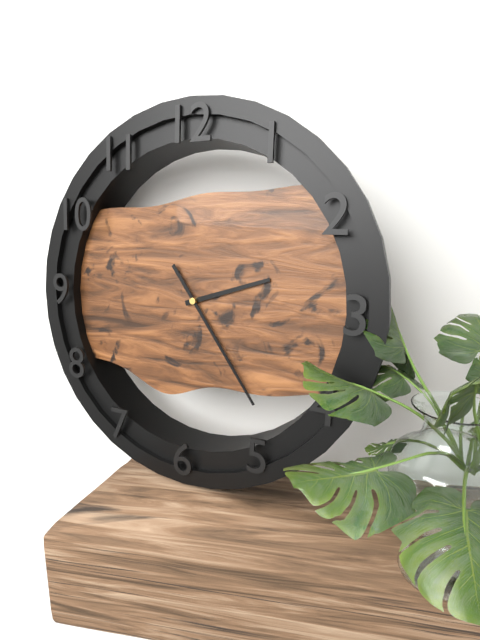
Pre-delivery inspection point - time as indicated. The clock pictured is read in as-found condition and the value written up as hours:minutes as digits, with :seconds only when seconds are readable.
2:24
